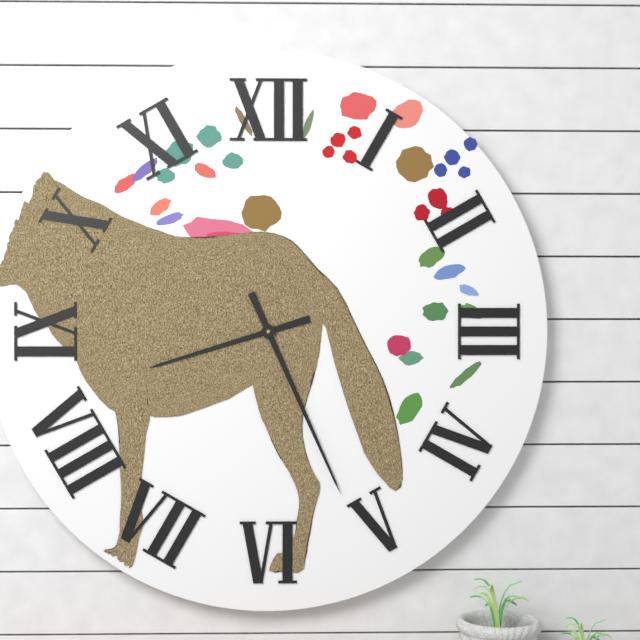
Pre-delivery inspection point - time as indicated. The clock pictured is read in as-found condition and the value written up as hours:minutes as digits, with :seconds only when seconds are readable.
8:26
